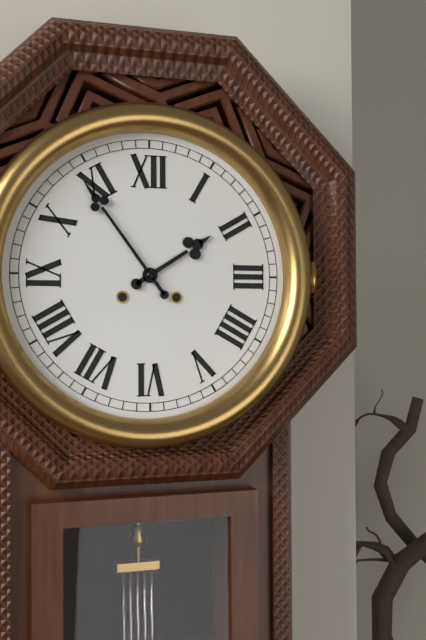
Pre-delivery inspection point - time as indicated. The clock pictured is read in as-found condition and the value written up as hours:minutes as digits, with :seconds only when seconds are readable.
1:54
